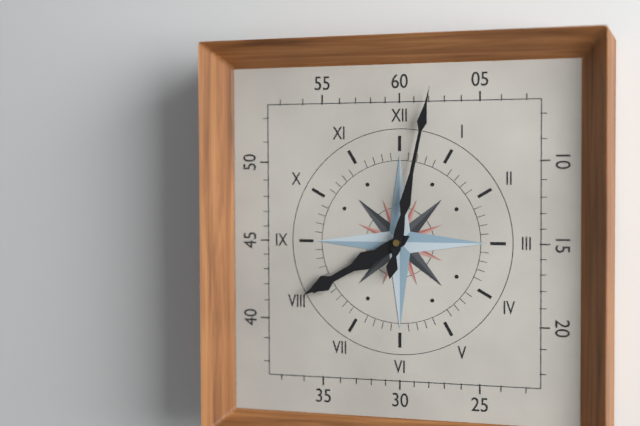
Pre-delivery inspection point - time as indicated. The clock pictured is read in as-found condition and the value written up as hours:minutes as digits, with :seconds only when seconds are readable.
8:02
